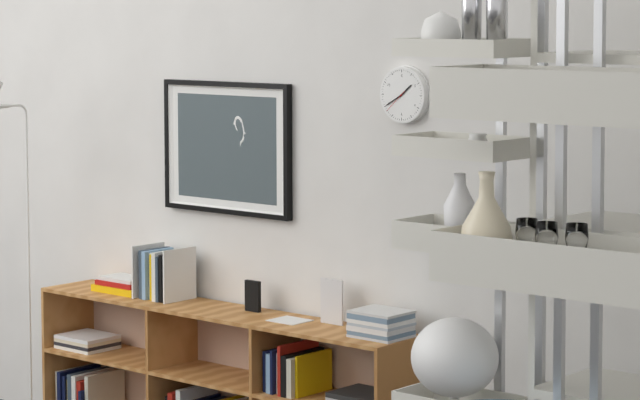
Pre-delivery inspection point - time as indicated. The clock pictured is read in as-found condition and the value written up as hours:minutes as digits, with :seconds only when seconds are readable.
1:40
